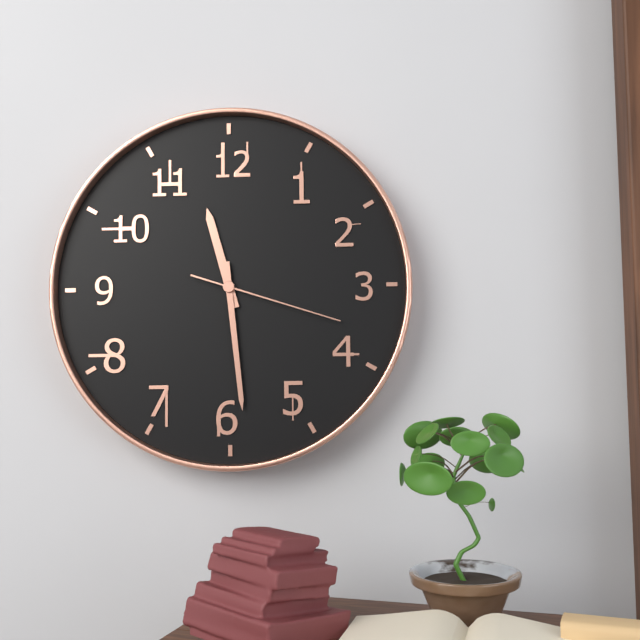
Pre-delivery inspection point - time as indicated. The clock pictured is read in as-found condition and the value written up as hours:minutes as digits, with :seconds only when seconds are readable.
11:29:18
